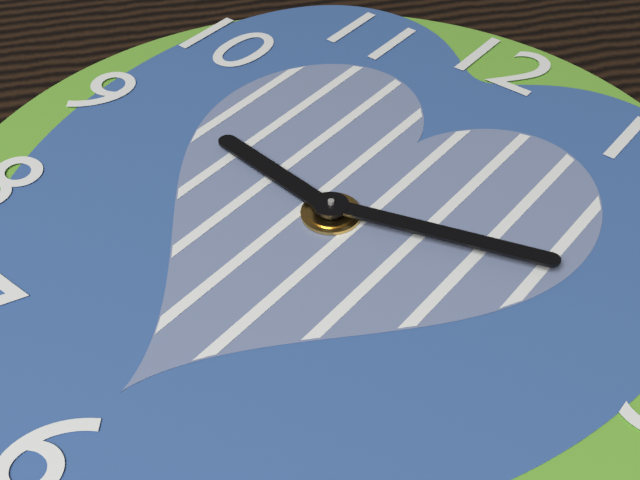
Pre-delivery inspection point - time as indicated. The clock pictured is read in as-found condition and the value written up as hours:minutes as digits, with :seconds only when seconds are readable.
9:12
